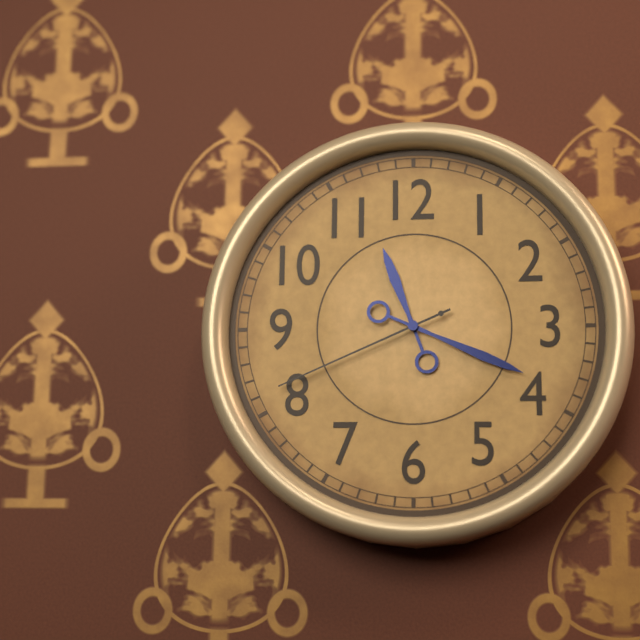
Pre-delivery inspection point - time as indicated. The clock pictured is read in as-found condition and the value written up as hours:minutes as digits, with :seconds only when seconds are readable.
11:19:41
